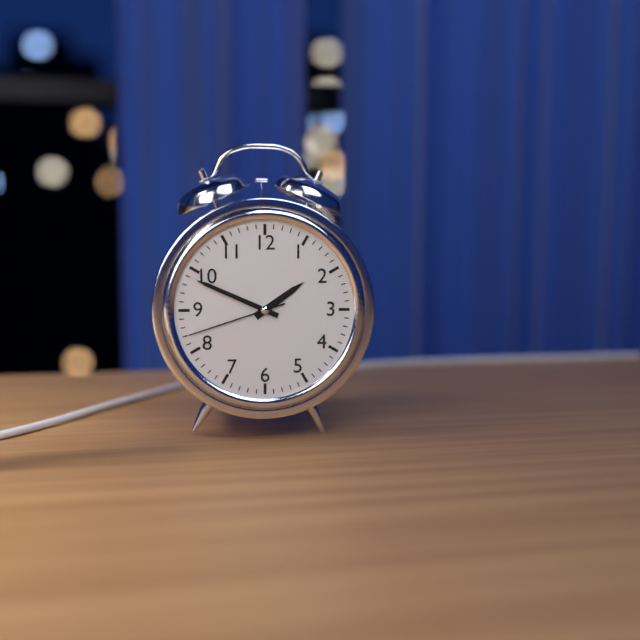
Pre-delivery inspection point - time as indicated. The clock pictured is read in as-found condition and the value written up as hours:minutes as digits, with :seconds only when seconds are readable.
1:49:42
